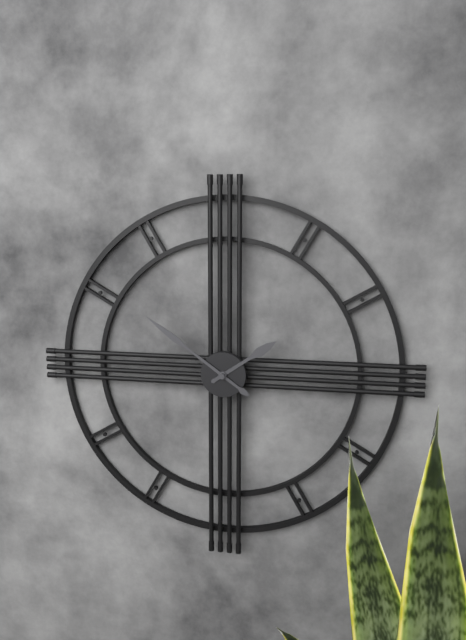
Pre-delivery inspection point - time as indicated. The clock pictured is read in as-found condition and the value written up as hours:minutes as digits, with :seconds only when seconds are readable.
1:51
